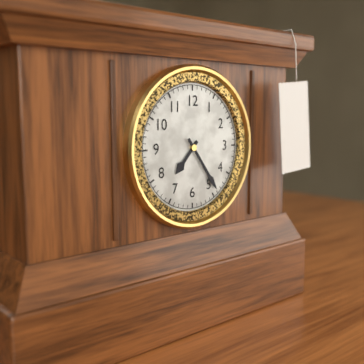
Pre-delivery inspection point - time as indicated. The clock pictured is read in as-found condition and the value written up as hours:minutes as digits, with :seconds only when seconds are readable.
7:24
